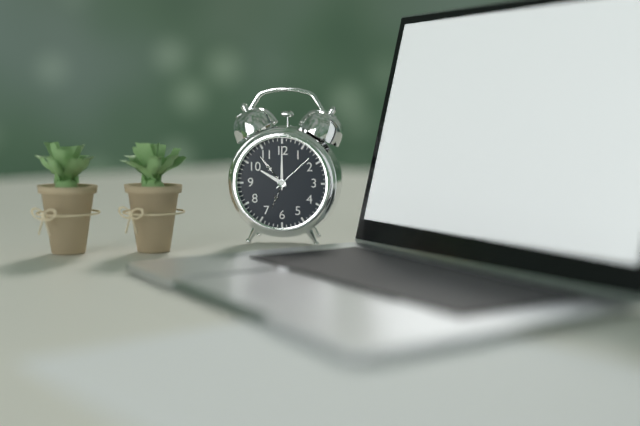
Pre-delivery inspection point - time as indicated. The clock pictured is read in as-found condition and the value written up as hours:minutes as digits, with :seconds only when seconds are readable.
10:00
